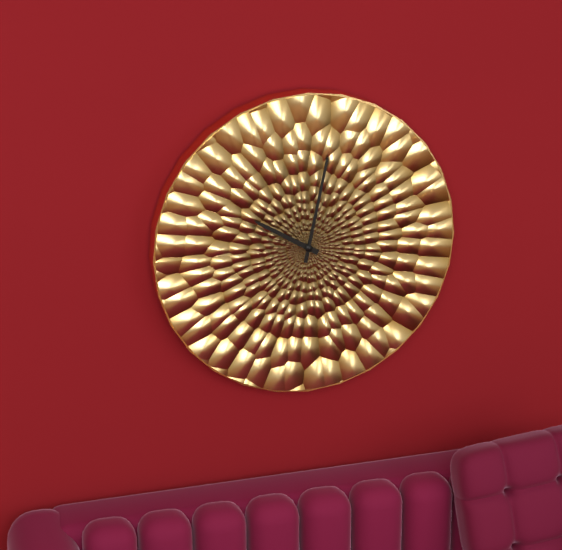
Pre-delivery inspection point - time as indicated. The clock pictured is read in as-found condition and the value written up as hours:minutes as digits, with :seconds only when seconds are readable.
10:02
